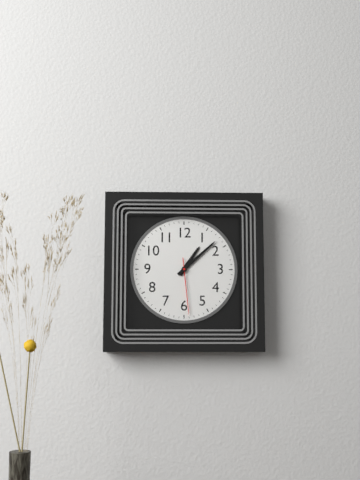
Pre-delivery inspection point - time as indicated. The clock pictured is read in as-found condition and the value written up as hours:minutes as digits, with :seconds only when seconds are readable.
1:08:29
